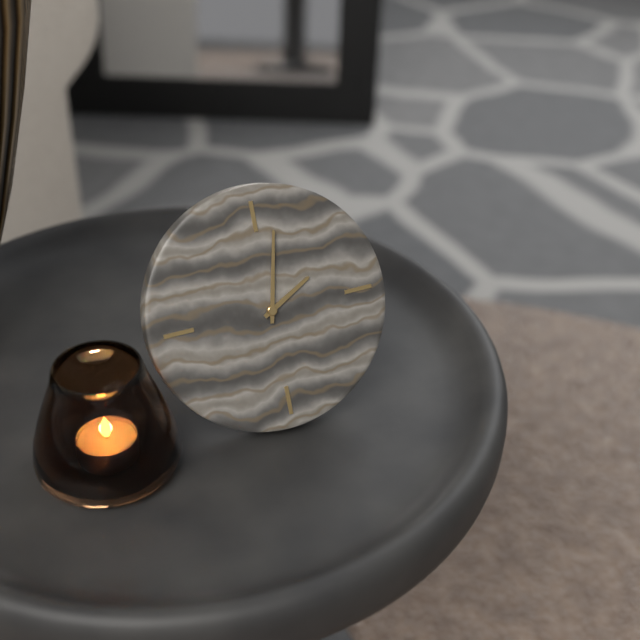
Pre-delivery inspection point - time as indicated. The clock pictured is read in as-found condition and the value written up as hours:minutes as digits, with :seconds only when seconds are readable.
2:02
